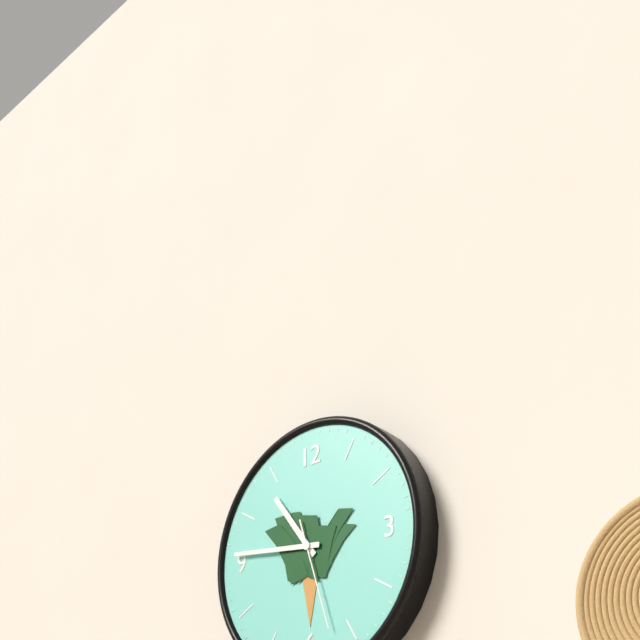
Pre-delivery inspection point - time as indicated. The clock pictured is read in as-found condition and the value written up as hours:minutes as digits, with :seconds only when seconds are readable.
10:46:27
